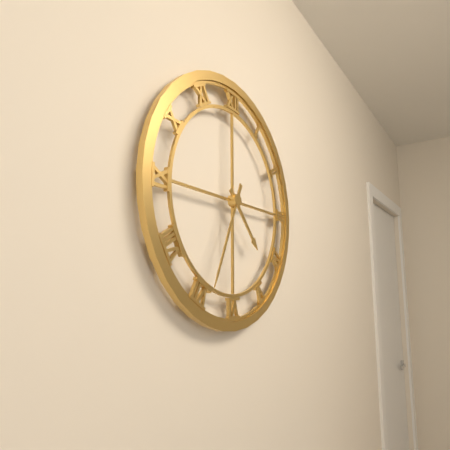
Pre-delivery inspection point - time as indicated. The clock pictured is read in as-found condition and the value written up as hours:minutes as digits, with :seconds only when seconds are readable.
4:34
